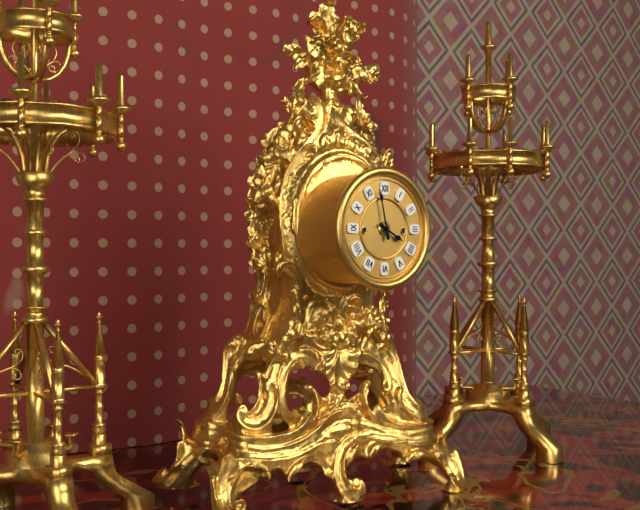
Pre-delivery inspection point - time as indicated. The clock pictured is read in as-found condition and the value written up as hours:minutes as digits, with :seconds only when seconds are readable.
3:58
